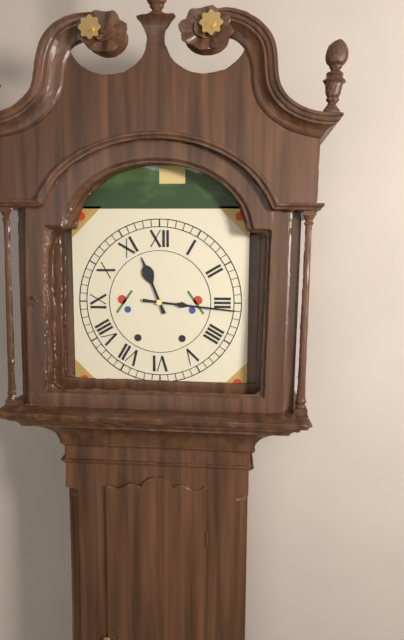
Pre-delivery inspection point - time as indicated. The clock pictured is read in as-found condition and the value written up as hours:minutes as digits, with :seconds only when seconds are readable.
11:16
